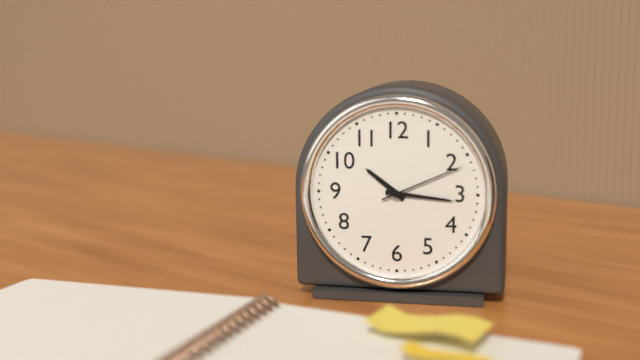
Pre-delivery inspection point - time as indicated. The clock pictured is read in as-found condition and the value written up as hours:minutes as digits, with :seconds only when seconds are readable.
10:16:11
